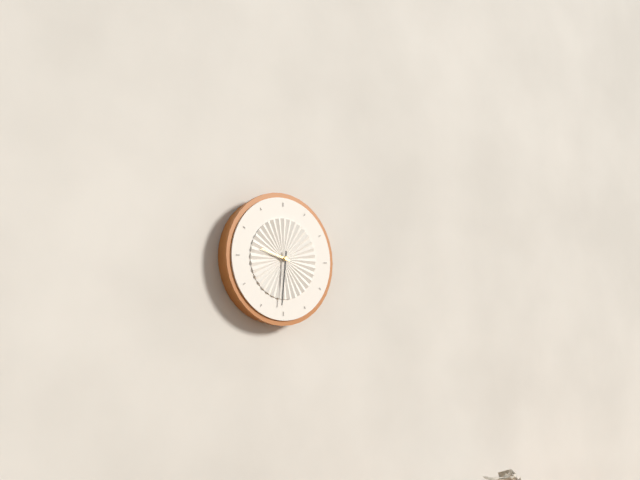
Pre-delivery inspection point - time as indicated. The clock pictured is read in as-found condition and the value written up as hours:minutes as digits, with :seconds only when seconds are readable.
9:31
